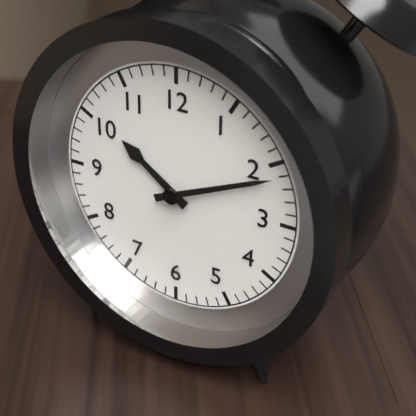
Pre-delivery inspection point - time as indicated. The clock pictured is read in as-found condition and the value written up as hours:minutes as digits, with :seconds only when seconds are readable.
10:11
